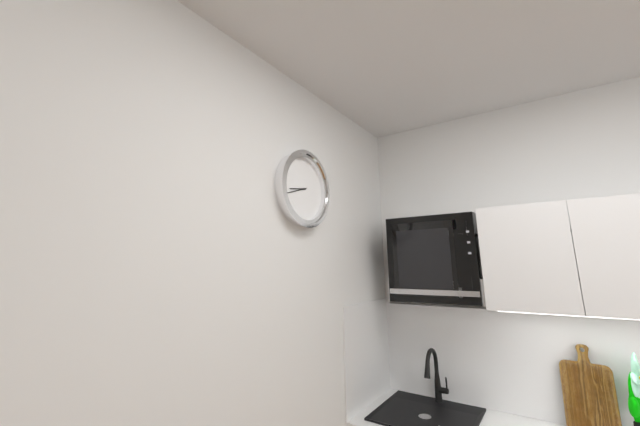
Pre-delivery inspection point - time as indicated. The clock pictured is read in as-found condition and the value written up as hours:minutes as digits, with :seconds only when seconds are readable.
8:42
